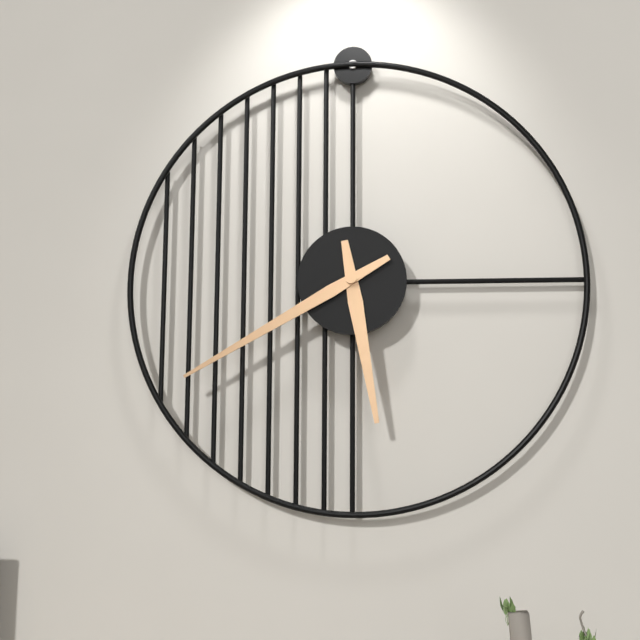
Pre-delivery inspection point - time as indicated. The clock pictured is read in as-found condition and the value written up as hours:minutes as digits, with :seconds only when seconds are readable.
5:40
